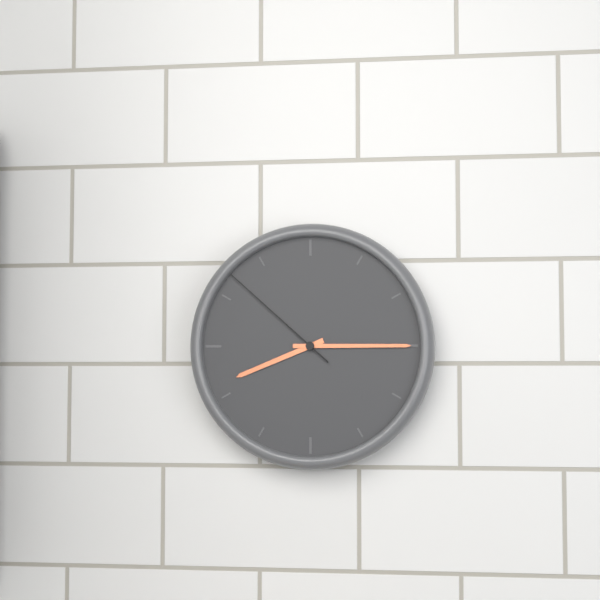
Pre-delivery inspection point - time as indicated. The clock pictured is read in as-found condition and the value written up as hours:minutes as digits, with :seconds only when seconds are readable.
8:15:52
